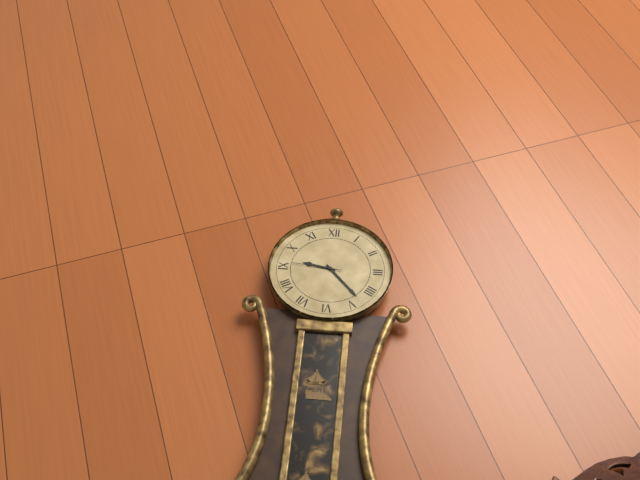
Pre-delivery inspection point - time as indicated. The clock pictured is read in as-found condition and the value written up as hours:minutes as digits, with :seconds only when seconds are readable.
9:23
